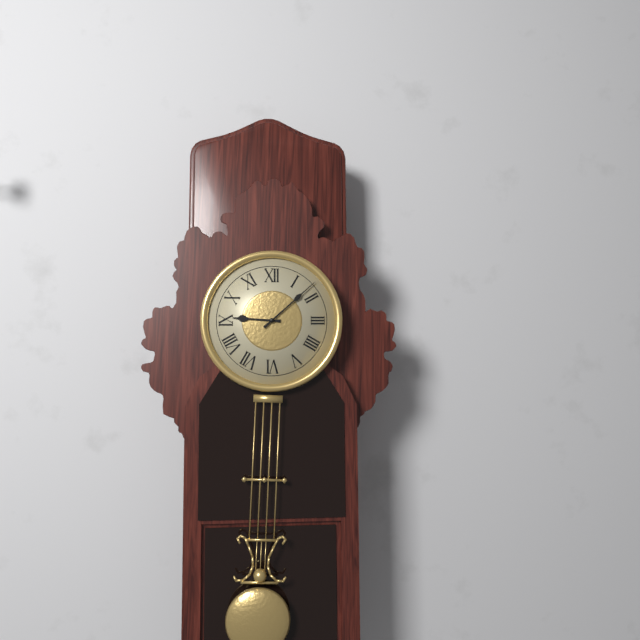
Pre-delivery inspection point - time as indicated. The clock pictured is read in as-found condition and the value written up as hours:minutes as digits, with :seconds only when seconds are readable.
9:08
